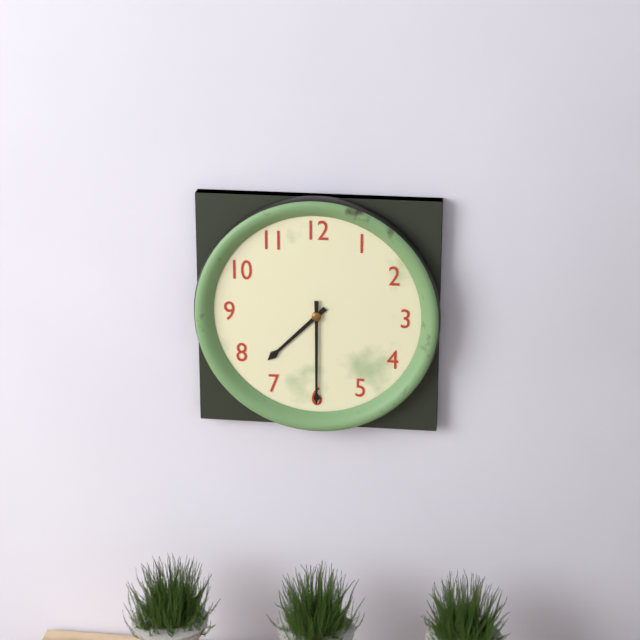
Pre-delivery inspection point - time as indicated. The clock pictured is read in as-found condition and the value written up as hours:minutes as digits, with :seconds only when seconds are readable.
7:30
